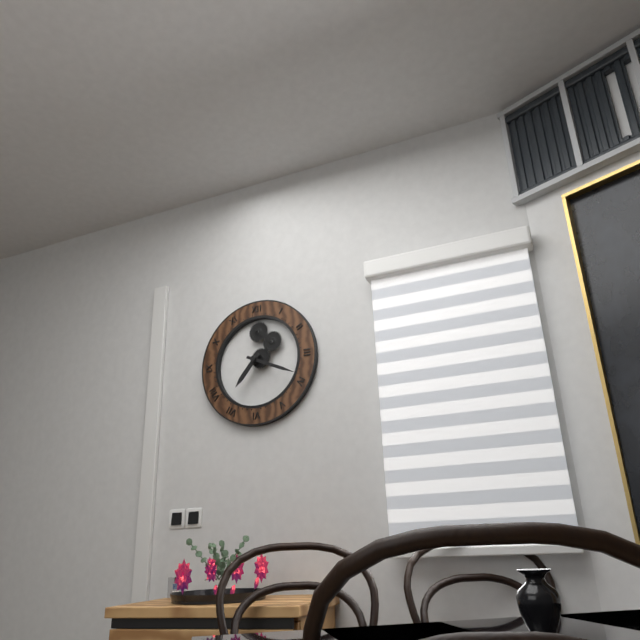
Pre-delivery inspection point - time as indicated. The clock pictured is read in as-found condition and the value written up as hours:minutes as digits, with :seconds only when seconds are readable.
7:19
